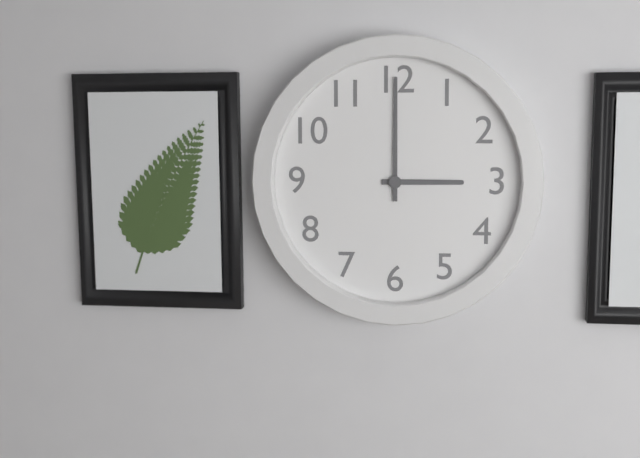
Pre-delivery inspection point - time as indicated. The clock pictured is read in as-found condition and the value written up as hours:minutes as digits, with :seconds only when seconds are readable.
3:00
